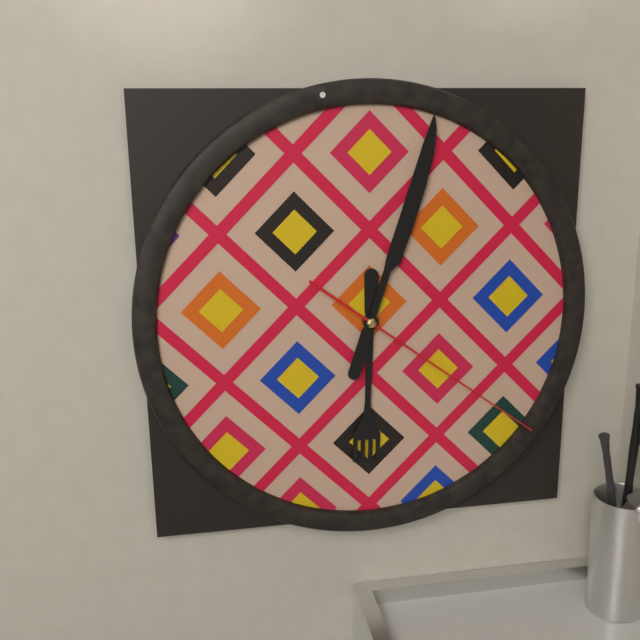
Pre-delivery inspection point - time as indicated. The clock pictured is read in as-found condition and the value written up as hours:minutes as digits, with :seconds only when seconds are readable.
6:03:21
